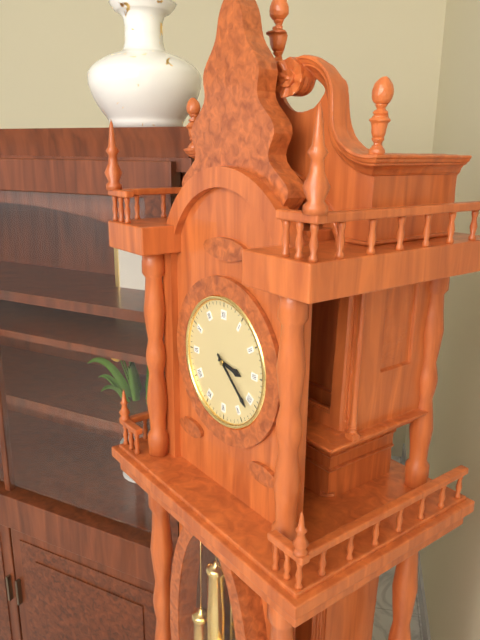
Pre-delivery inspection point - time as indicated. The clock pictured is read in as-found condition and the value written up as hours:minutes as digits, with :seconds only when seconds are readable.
3:22
